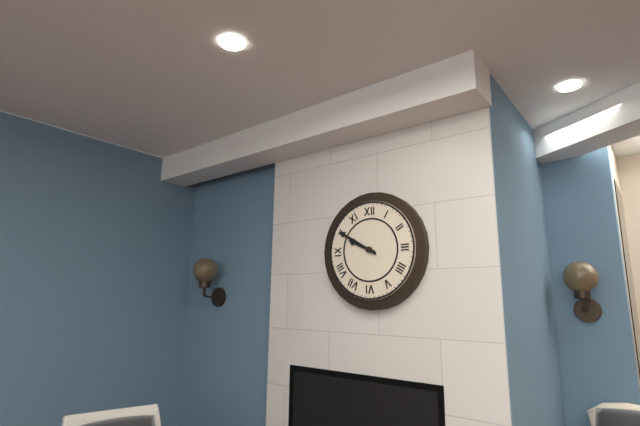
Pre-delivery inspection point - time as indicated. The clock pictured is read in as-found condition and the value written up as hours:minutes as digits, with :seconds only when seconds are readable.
9:50
